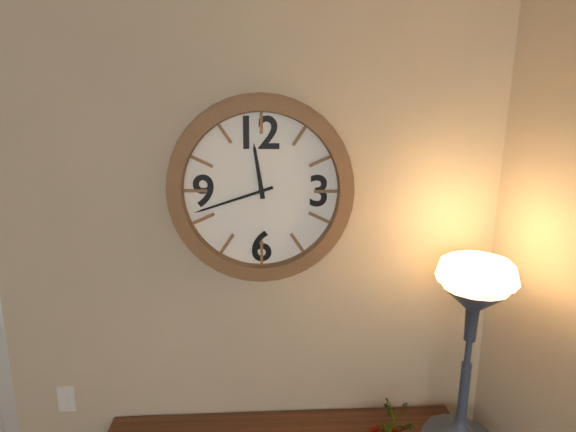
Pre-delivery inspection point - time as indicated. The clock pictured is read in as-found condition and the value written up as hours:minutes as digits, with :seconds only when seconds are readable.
11:42
